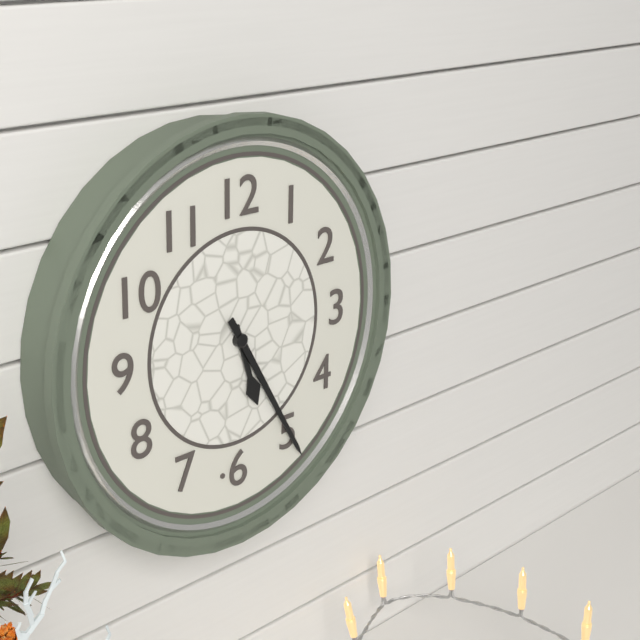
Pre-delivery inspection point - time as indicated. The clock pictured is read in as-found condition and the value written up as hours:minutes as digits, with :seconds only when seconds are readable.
5:25
